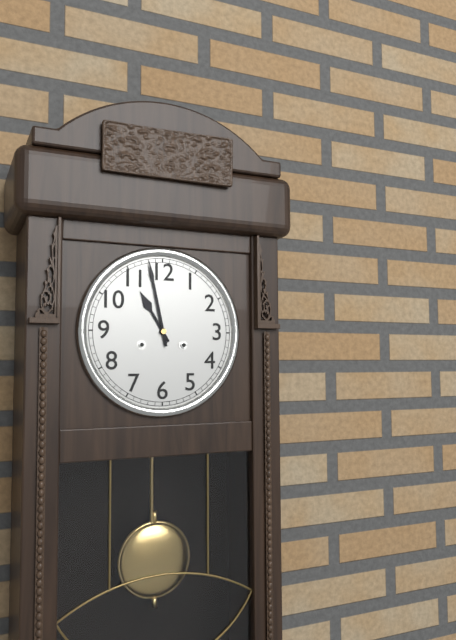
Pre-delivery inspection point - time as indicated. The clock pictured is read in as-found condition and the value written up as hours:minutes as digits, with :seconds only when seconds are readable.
10:58
